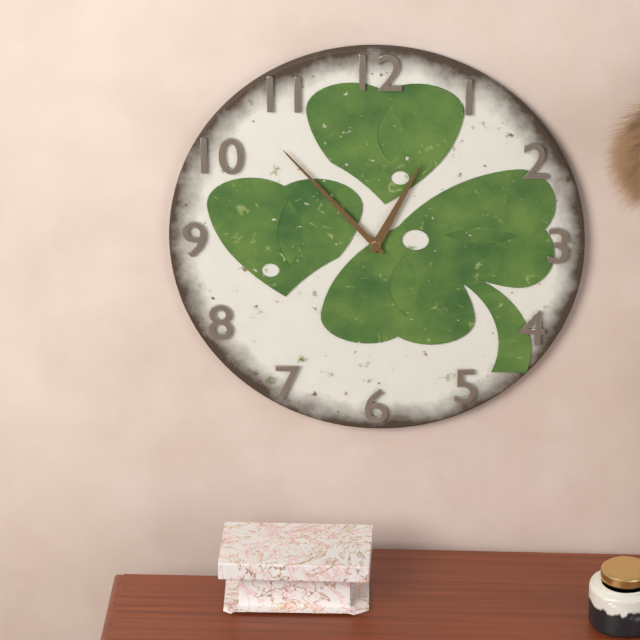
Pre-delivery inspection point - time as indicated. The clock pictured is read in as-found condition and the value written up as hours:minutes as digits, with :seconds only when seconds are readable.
12:53
